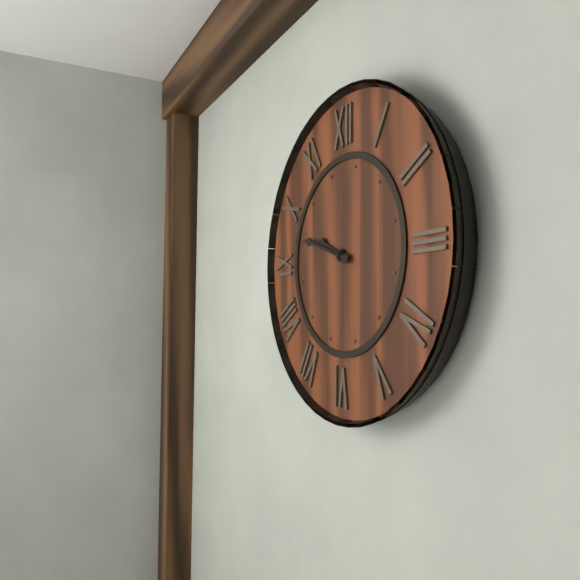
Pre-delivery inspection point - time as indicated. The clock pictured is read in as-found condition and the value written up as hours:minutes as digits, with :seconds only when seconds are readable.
9:48
